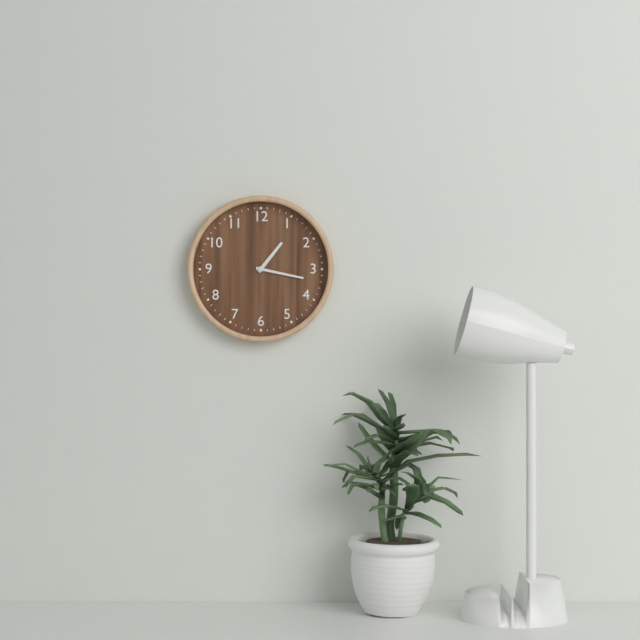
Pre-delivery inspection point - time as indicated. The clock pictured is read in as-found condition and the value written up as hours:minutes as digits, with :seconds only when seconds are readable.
1:17
